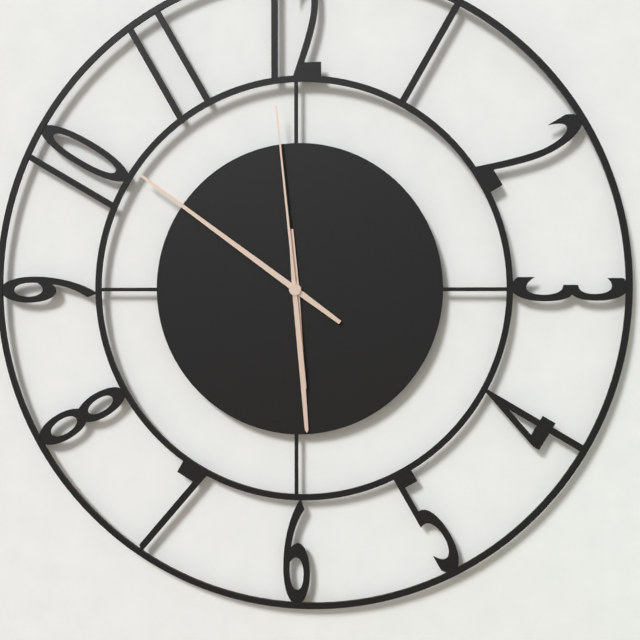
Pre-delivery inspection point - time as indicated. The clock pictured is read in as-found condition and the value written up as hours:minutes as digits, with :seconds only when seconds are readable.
5:51:59
